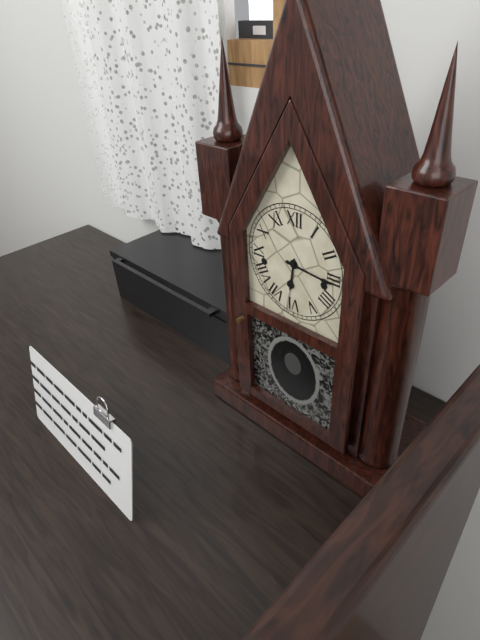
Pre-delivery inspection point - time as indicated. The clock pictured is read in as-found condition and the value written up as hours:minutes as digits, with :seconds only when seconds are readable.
6:16
